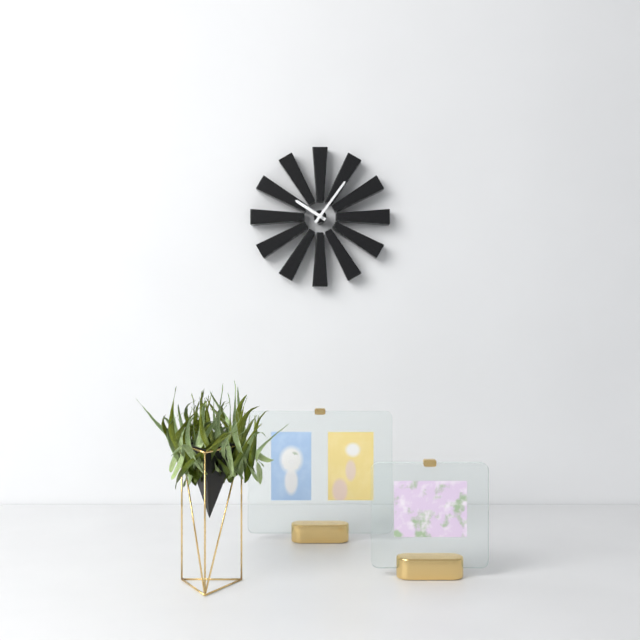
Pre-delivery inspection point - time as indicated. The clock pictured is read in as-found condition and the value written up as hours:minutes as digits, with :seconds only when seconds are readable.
10:06
